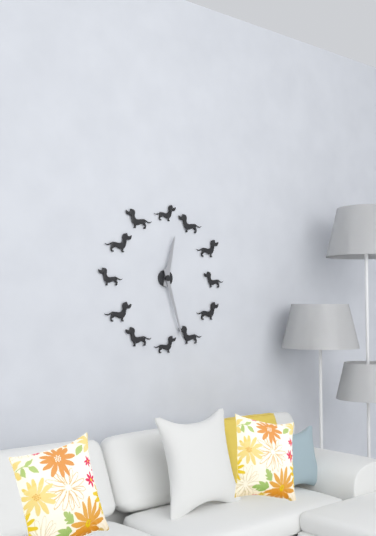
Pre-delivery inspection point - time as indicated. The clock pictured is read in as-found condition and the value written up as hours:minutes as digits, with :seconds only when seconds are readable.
12:27
